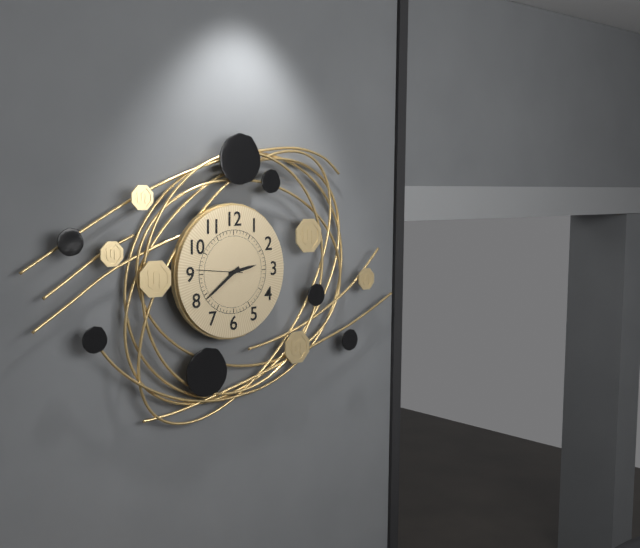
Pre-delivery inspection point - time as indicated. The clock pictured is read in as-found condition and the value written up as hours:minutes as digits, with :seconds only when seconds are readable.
2:39
